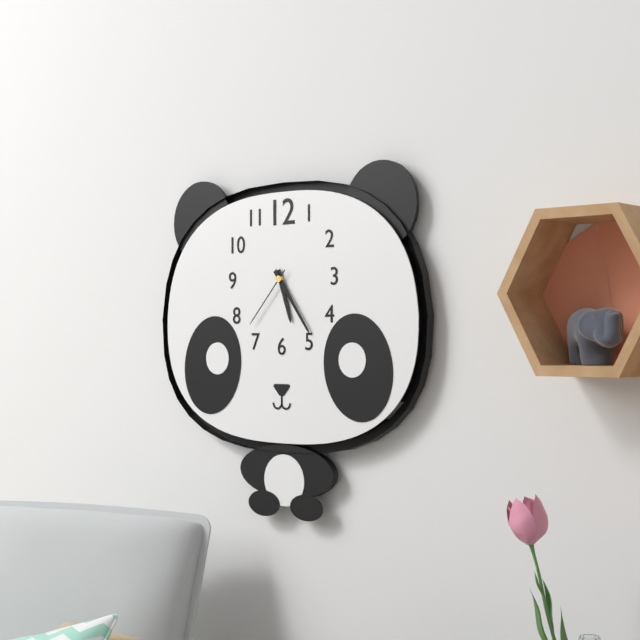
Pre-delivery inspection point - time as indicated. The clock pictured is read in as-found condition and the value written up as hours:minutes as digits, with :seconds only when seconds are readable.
5:24:37
